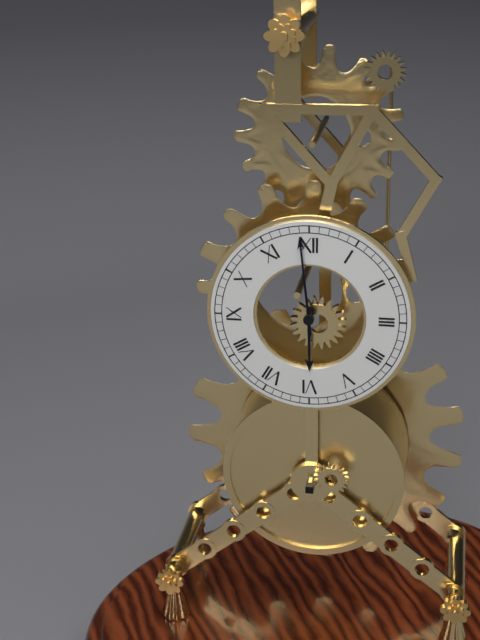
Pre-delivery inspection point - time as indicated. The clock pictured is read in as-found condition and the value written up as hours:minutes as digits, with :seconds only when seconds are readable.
5:59
